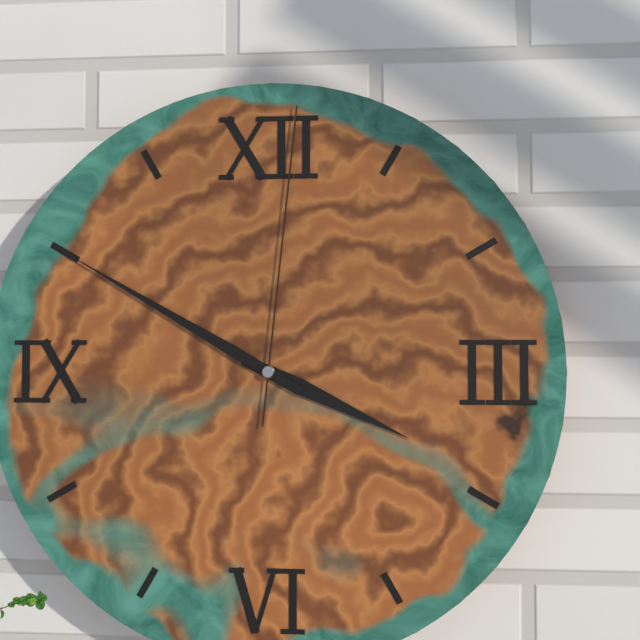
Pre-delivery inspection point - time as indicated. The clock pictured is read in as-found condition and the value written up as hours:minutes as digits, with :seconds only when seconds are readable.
3:50:01
